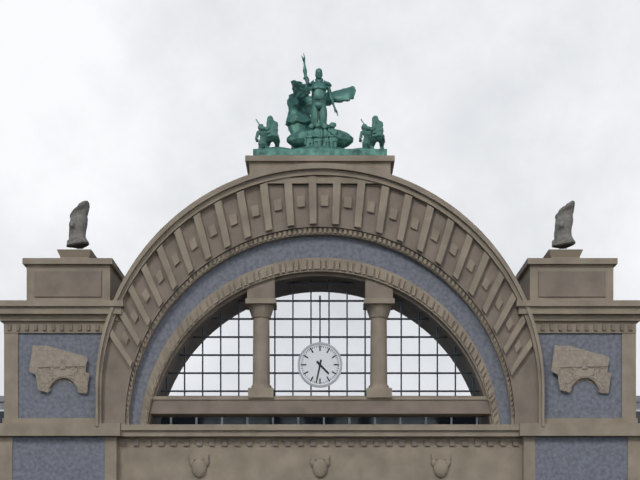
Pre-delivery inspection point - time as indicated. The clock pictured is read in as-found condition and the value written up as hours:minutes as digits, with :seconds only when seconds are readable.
4:32
